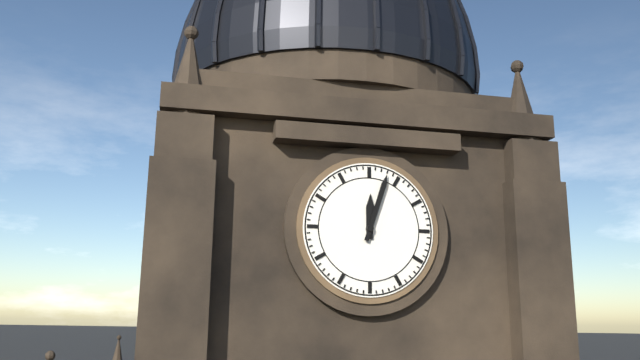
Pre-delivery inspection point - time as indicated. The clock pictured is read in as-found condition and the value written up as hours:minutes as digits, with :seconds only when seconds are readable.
12:03
